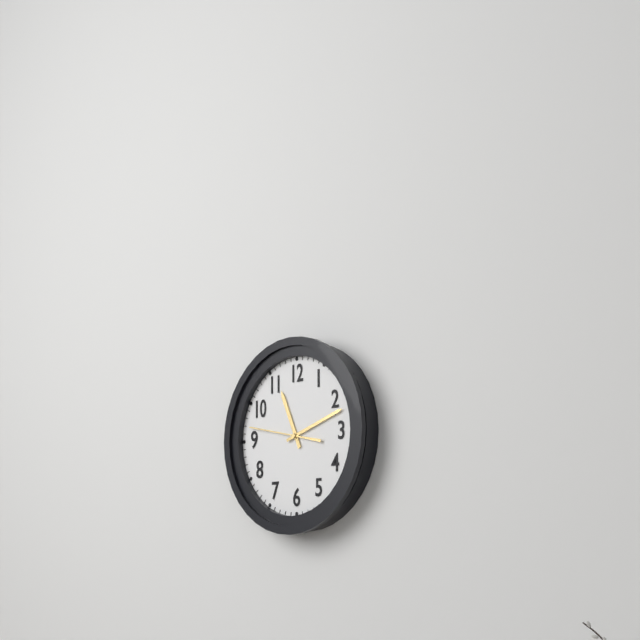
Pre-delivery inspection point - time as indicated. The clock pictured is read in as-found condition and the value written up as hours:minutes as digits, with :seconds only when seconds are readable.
11:12:47
